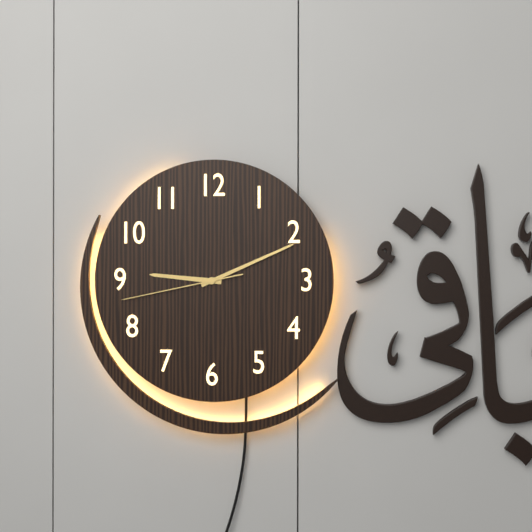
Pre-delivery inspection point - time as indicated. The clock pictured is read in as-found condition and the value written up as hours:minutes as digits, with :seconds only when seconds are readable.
9:11:43
